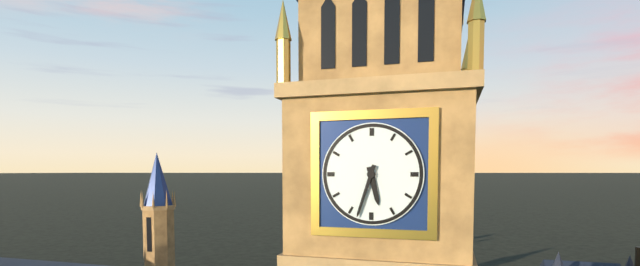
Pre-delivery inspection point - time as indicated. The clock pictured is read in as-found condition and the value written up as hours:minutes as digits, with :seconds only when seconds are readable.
5:33
